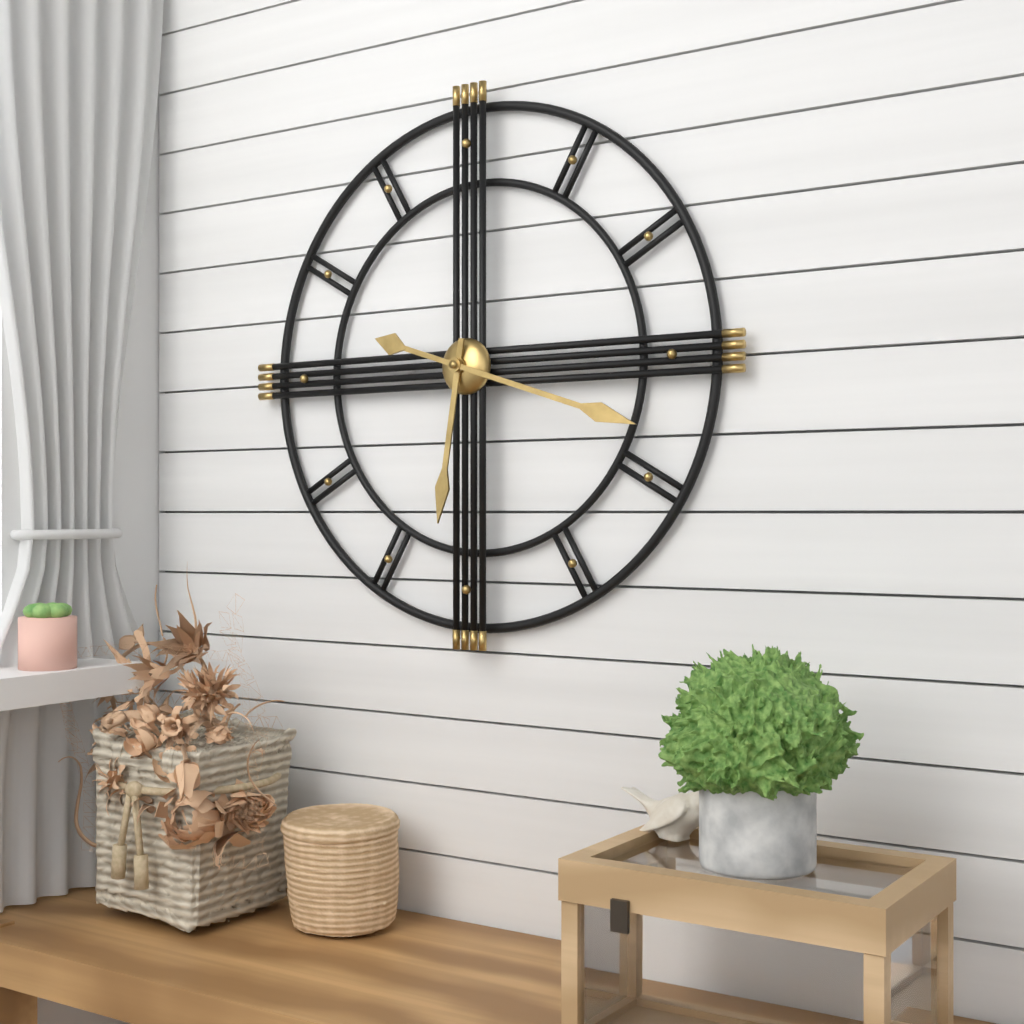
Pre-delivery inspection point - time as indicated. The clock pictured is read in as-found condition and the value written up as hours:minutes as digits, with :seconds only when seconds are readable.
6:18
